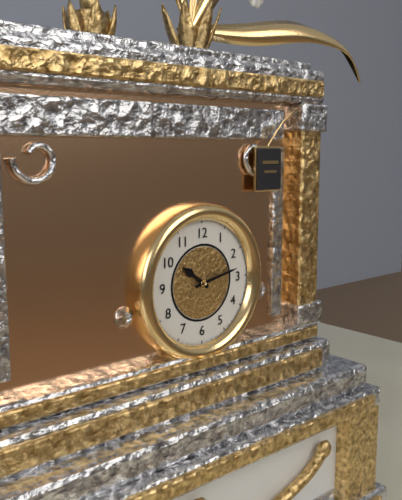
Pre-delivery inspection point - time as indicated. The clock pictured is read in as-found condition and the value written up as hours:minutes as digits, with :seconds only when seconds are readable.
10:13
